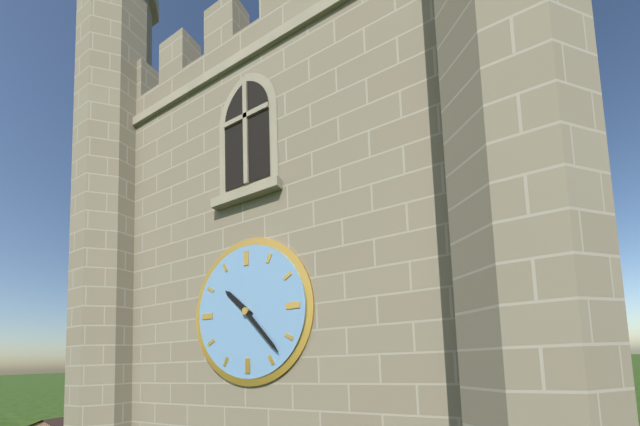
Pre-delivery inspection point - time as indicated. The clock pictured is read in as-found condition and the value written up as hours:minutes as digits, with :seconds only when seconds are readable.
10:23
